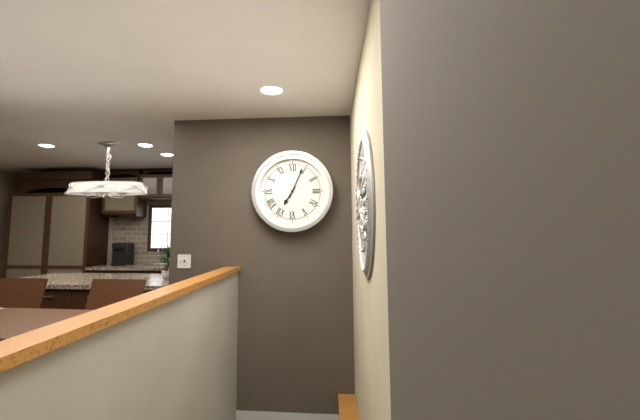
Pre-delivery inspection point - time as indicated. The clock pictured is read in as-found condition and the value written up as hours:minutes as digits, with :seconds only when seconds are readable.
7:04
